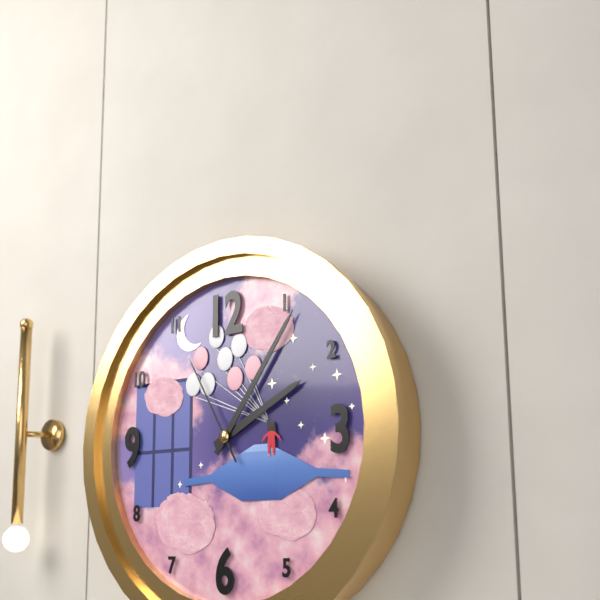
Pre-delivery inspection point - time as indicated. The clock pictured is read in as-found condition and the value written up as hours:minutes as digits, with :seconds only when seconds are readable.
2:06:55
